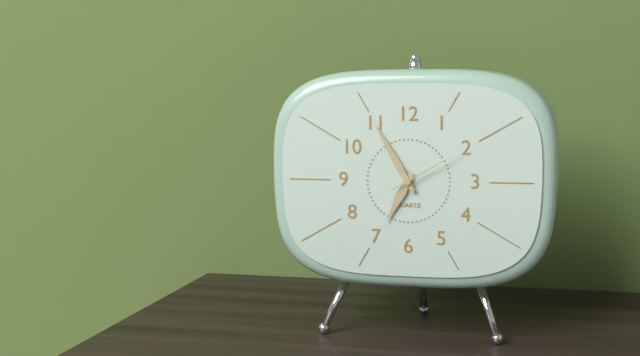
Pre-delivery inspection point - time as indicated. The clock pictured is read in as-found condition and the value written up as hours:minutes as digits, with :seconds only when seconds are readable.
6:55:10
